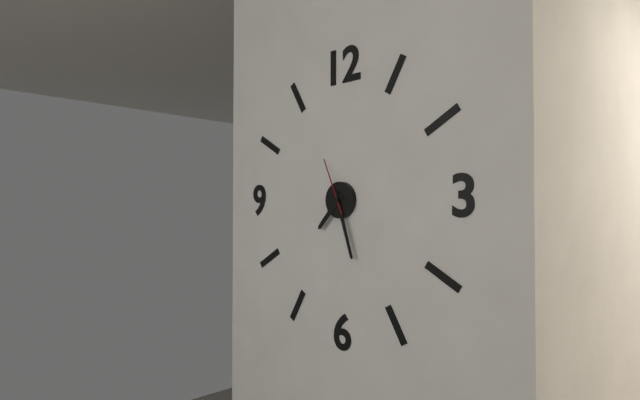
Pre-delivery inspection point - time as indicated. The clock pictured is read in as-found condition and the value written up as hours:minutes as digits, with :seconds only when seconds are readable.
7:27:56
